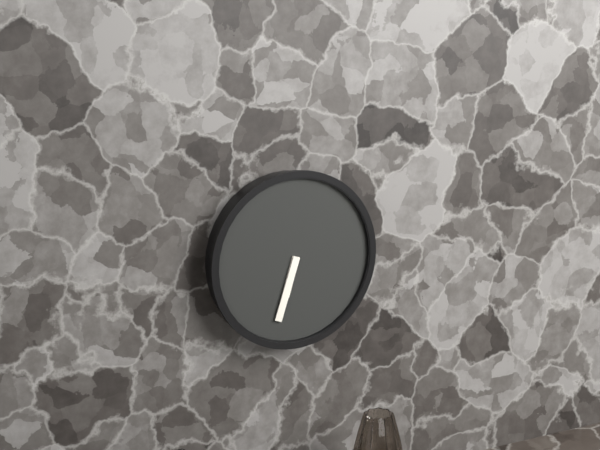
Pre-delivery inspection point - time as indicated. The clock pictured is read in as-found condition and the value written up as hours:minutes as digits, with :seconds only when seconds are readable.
6:33
